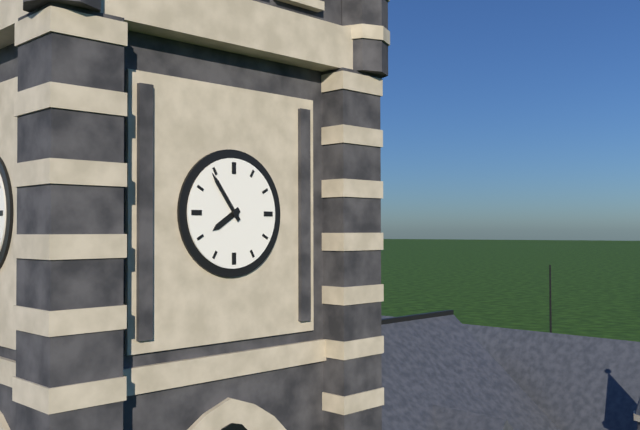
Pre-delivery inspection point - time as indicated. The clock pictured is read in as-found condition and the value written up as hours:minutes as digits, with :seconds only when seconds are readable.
7:54
